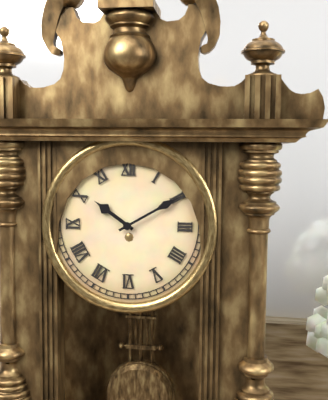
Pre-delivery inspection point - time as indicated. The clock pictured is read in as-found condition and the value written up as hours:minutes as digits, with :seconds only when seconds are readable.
10:10
